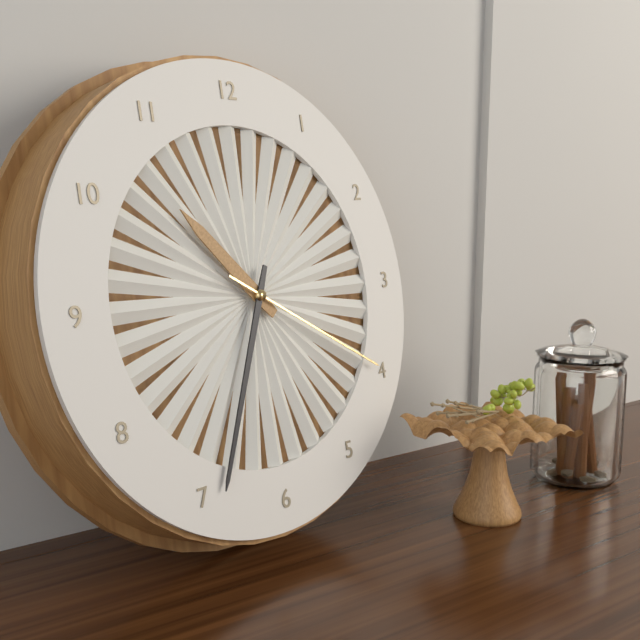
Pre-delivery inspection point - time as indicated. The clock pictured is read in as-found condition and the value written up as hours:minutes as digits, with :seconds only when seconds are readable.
10:34:20
